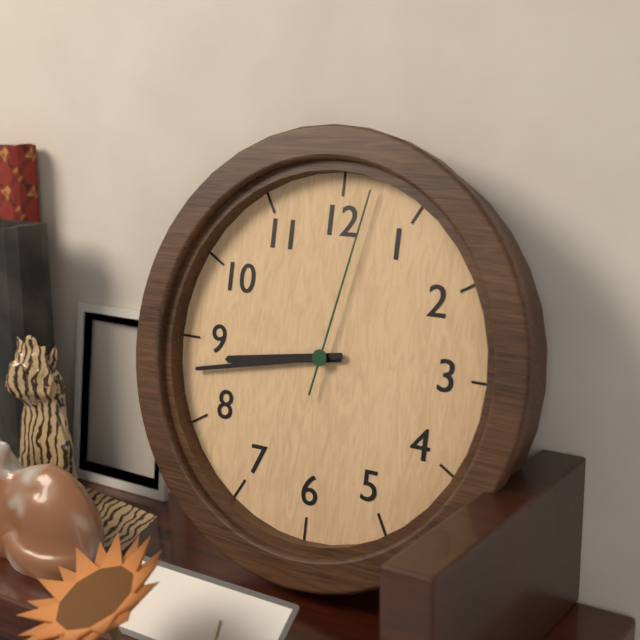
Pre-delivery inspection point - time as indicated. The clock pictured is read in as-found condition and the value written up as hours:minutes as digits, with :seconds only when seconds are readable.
8:43:02
